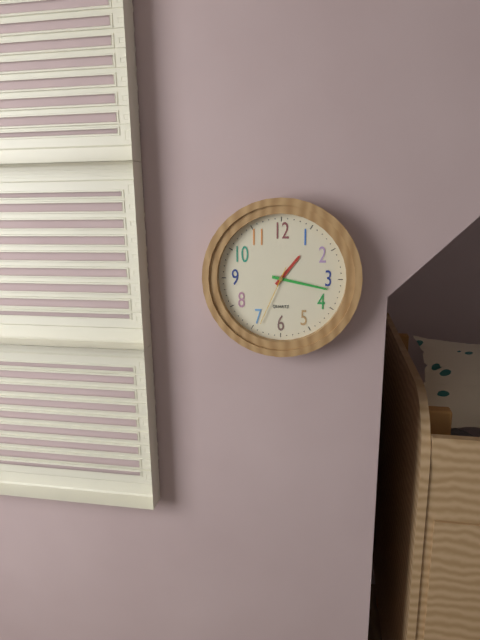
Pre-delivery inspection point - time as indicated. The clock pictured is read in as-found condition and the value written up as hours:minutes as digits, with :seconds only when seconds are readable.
1:17:34
